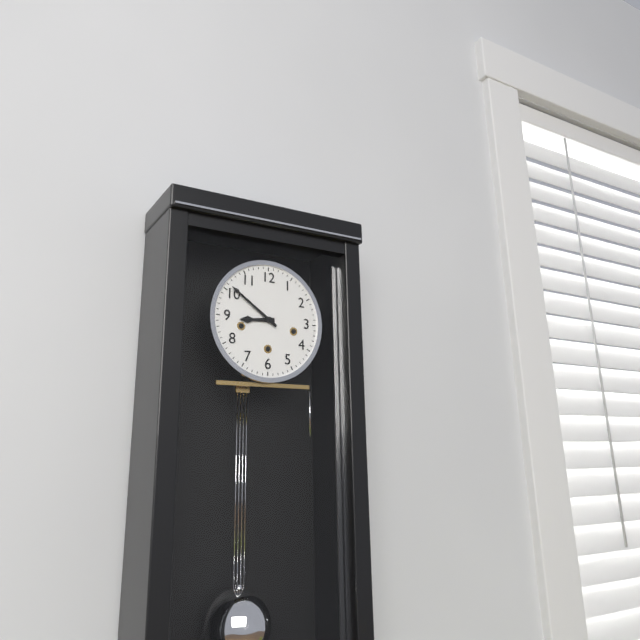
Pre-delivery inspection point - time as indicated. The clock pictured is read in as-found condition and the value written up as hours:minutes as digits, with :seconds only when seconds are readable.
8:51
